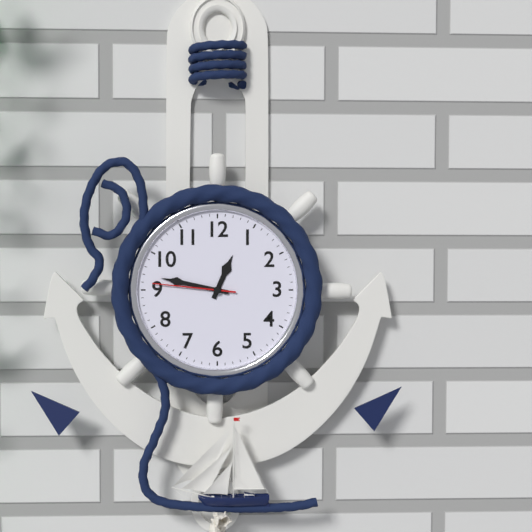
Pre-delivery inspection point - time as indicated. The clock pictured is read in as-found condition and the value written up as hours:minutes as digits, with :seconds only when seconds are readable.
12:47:46
